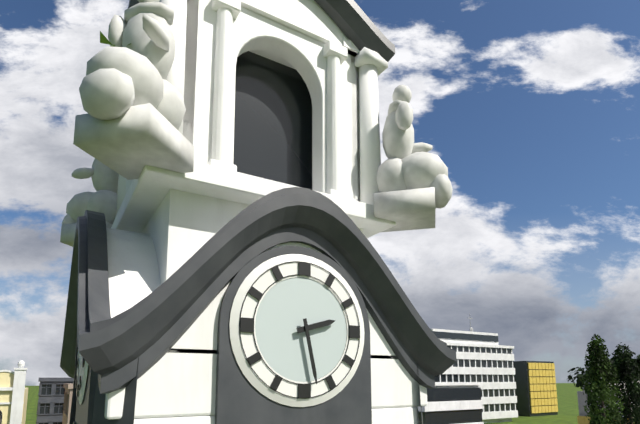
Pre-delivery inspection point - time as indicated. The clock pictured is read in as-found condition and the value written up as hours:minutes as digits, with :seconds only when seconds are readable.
2:28
